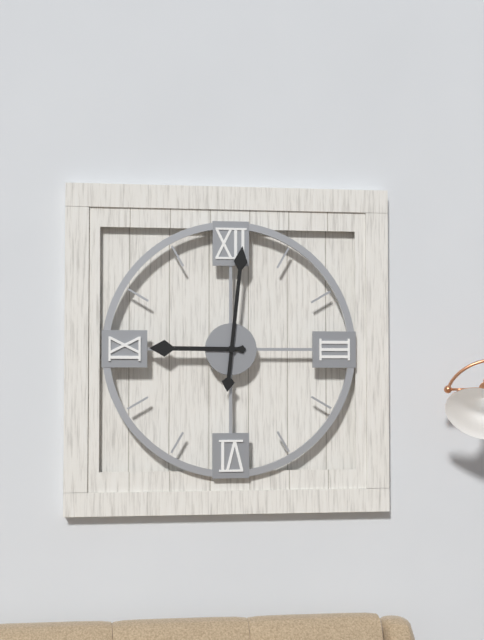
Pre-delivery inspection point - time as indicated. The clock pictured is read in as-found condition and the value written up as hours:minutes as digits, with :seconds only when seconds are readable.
9:01
